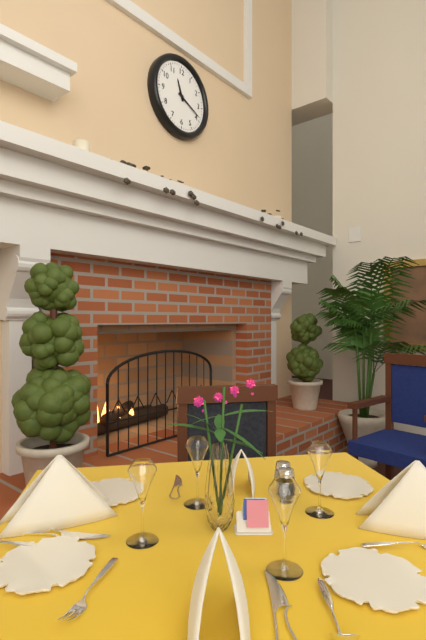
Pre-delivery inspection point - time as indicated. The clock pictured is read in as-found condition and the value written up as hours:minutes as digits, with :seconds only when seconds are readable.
11:19
